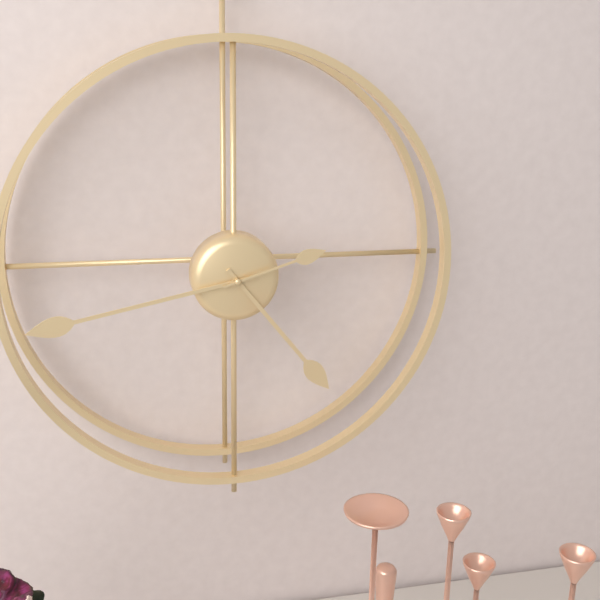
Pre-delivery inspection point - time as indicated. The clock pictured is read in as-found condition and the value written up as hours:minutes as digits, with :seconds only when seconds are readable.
4:43:12
